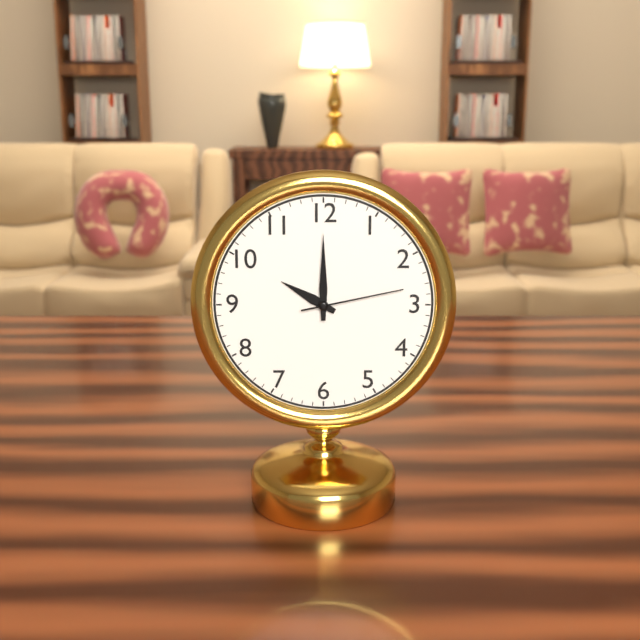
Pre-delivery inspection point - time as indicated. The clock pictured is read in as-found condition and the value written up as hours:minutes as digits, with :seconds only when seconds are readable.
10:00:13
